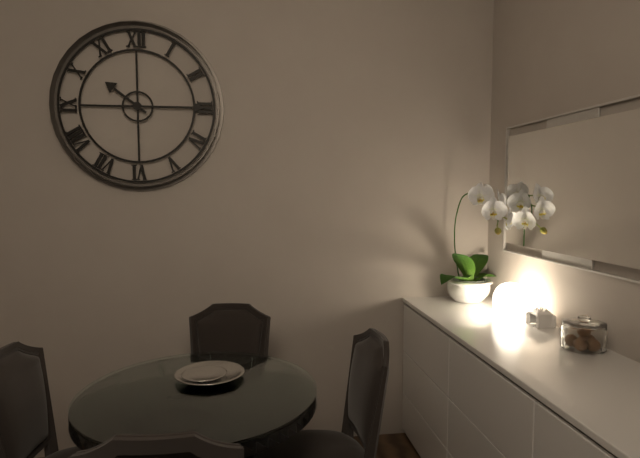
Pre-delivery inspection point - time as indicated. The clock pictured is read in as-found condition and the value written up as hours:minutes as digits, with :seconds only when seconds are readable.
10:15
